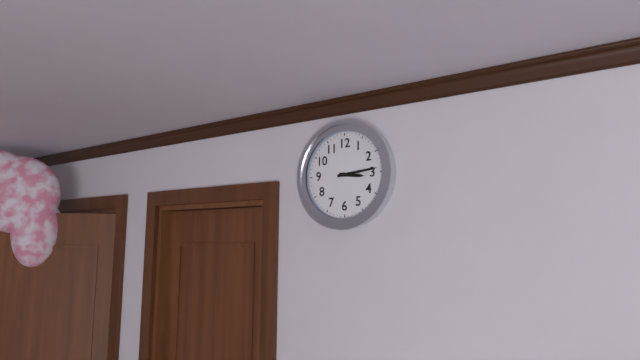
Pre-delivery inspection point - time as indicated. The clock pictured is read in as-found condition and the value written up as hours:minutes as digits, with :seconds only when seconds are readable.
3:14
